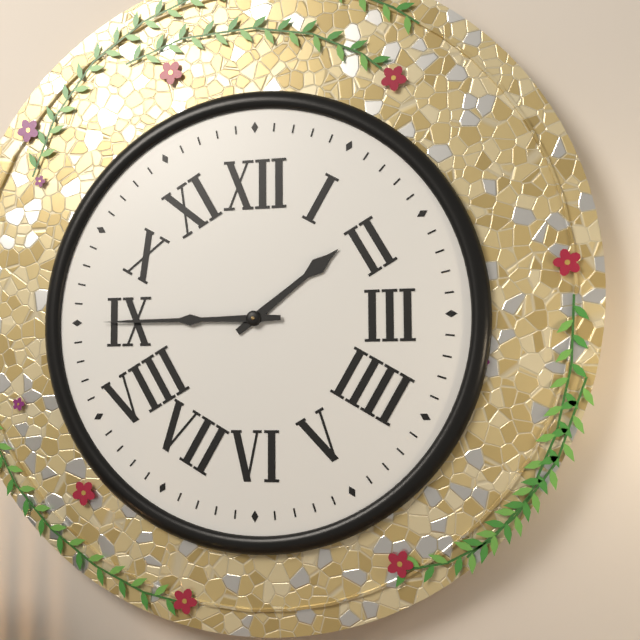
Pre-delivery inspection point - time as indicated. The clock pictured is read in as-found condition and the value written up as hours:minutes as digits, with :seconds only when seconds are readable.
1:45
